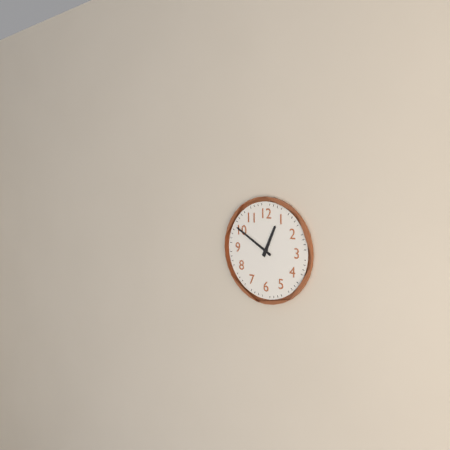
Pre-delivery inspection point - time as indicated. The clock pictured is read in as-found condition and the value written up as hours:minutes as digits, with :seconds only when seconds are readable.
12:50
